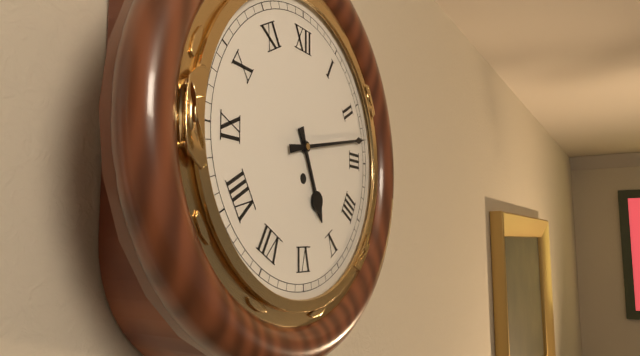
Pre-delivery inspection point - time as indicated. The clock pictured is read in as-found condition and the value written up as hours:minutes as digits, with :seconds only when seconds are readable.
5:13
